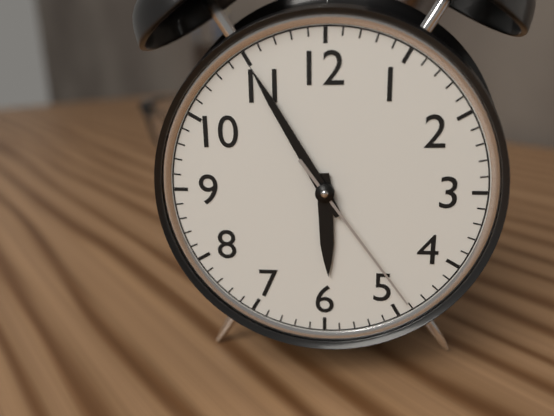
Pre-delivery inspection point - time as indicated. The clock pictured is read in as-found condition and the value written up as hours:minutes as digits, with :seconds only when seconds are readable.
5:55:24
